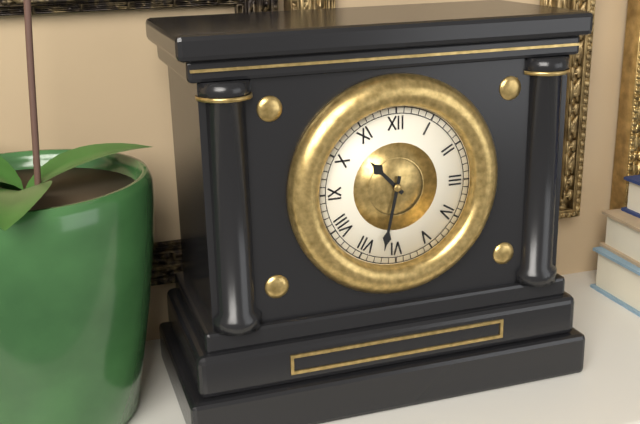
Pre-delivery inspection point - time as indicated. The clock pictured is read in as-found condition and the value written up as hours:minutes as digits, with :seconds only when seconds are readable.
10:32
